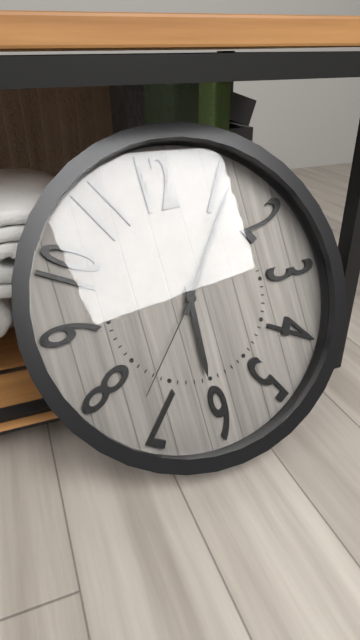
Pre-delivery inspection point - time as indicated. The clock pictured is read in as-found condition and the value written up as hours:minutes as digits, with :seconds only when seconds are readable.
6:06:37
